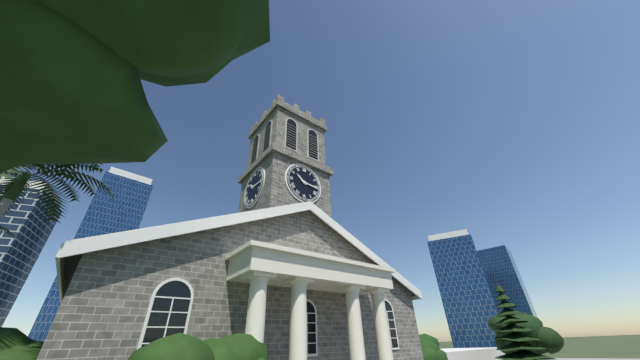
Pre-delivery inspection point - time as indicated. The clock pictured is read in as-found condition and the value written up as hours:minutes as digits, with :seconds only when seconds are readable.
10:16
